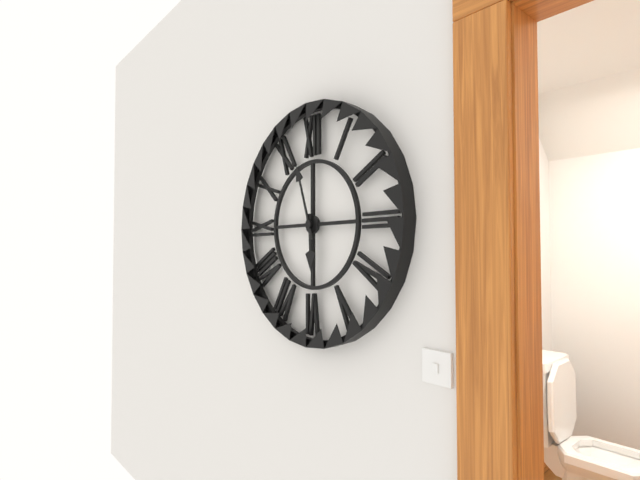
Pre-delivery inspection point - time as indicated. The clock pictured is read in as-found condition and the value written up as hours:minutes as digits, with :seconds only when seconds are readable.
5:57
